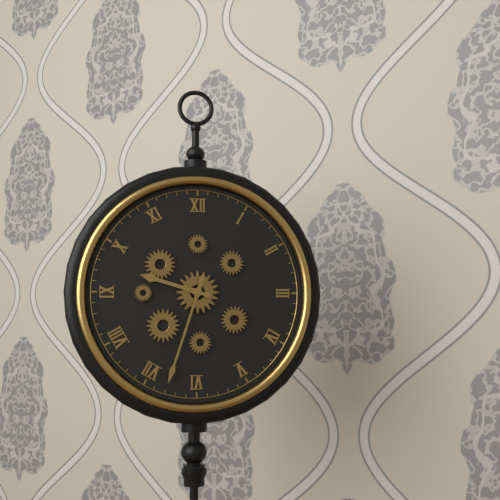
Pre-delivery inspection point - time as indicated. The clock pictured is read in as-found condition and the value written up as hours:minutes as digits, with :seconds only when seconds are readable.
9:33
